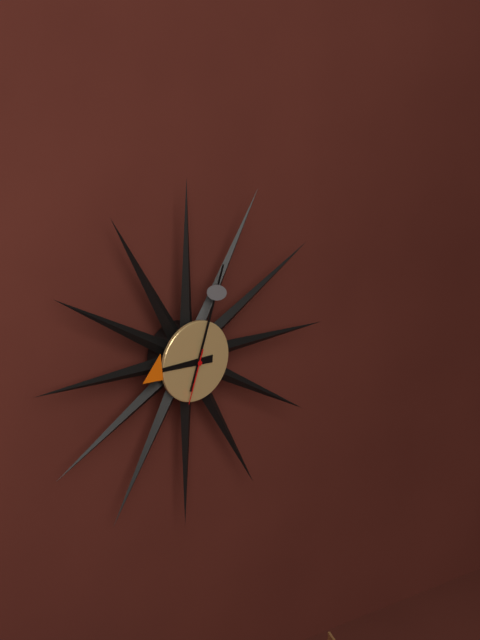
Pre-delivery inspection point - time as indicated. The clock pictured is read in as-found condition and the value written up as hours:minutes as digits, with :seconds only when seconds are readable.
9:03:33
